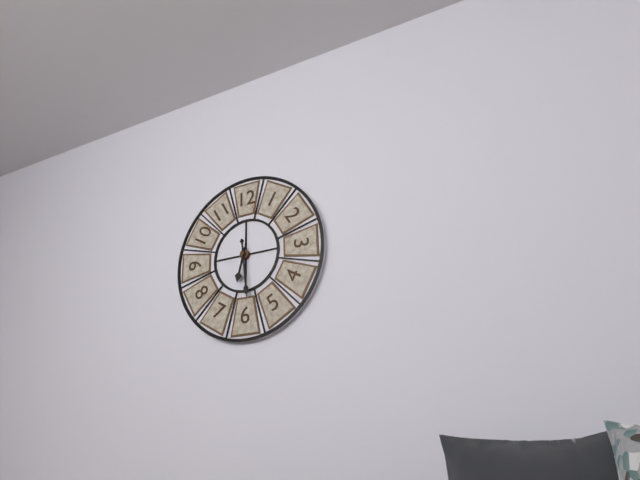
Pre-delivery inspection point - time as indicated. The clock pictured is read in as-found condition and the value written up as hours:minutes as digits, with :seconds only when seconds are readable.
6:29
